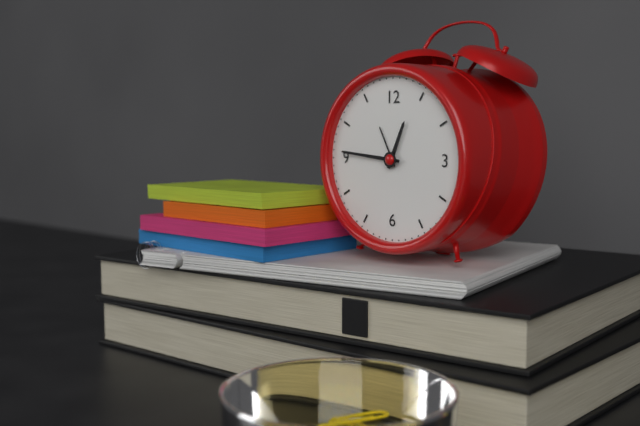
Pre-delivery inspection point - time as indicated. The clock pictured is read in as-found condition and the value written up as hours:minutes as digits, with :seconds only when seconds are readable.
12:46
